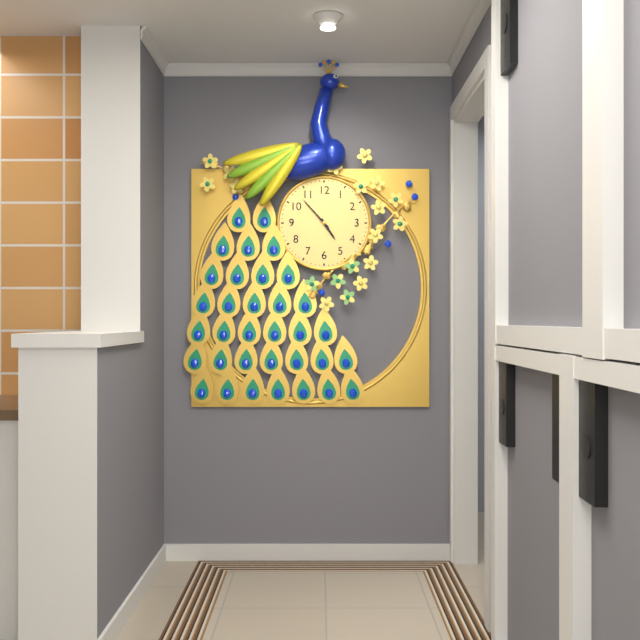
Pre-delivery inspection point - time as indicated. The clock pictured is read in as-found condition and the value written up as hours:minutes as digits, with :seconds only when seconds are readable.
4:53
